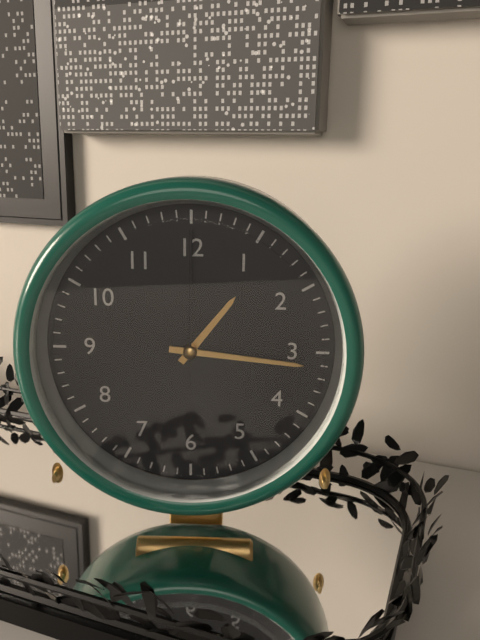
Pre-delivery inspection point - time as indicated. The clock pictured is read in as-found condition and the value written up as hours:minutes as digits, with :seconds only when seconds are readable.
1:16:00
